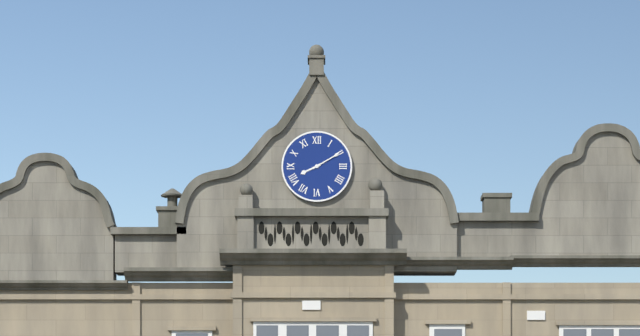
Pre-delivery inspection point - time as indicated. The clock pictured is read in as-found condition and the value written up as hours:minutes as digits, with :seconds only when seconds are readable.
8:10
